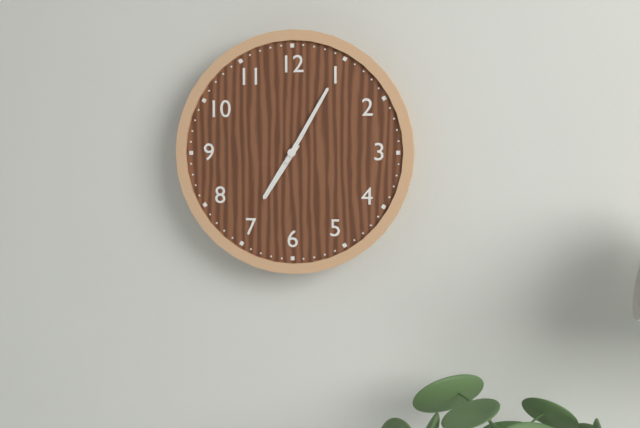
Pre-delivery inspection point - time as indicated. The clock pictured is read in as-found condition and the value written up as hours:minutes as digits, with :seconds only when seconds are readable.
7:05
